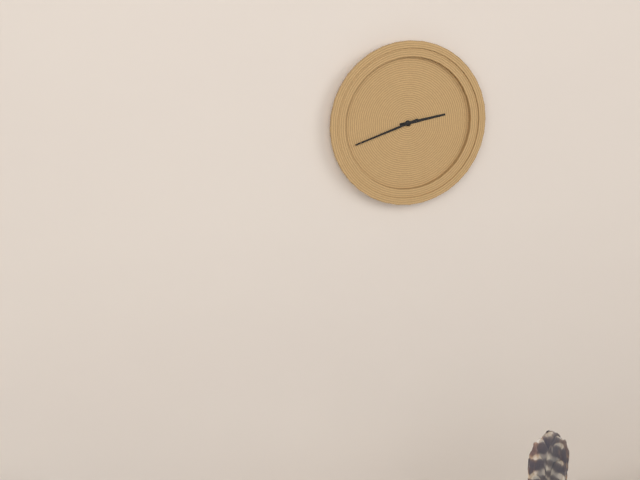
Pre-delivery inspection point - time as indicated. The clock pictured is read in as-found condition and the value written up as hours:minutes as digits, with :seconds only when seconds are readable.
2:42
